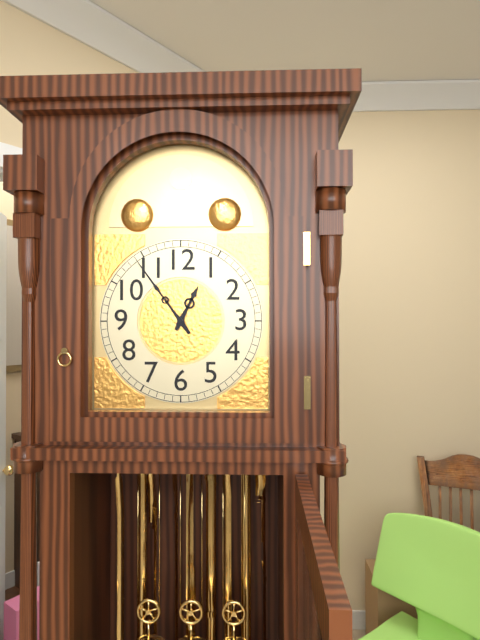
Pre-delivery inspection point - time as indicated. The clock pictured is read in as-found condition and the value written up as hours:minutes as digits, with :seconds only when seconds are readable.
12:54
